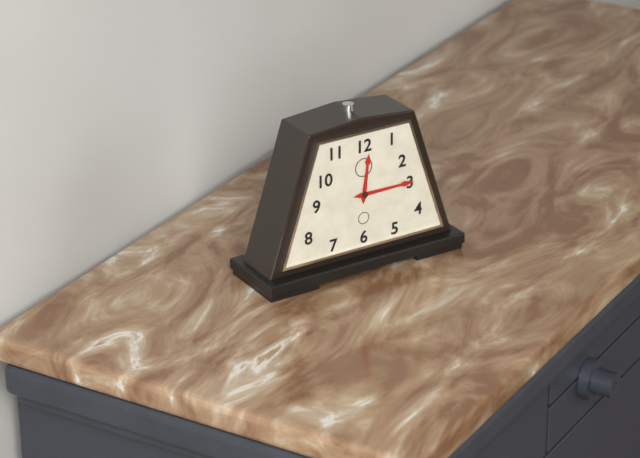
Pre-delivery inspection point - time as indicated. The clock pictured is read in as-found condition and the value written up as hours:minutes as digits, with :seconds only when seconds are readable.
12:15
